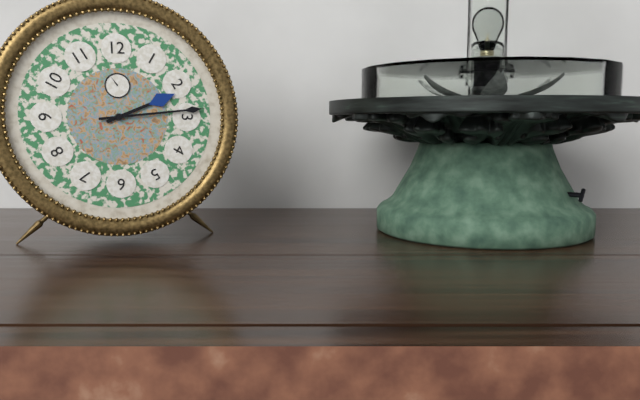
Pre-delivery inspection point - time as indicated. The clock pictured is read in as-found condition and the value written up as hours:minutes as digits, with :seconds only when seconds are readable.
2:14
